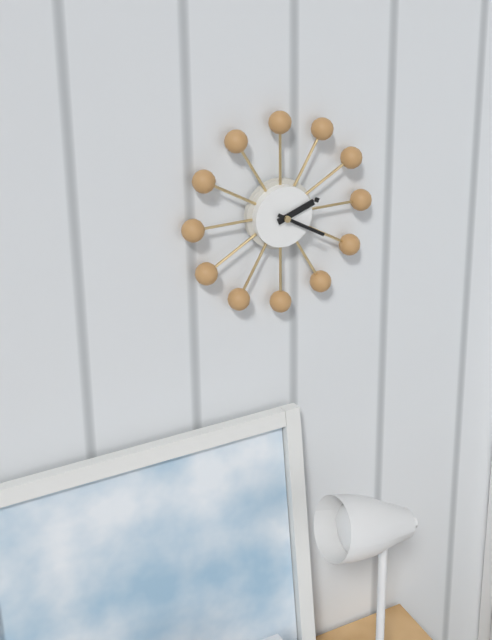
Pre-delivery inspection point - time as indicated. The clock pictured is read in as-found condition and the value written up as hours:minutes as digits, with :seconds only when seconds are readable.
2:20
